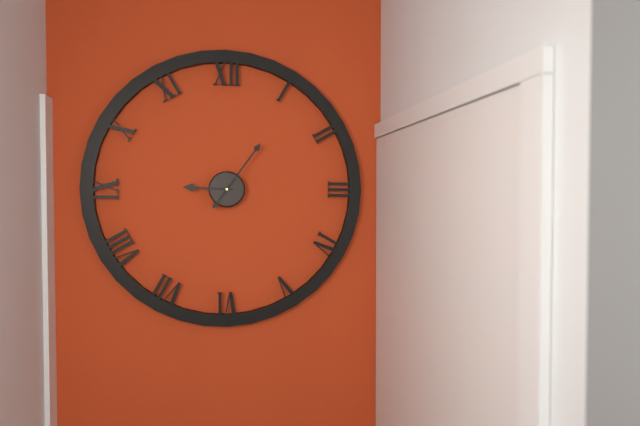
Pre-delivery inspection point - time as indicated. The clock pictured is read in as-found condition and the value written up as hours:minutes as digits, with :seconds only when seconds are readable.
9:06
